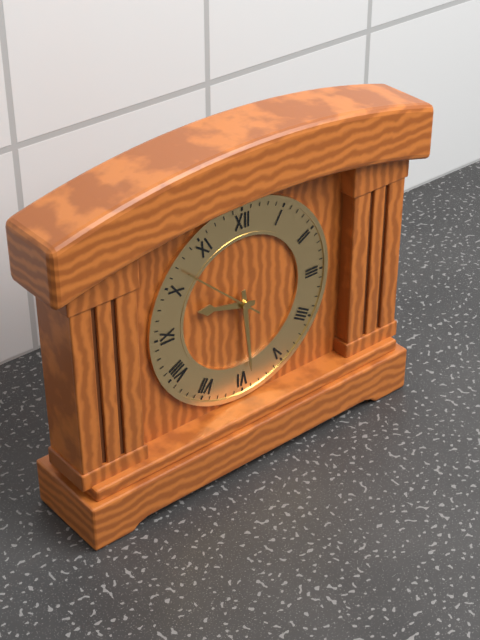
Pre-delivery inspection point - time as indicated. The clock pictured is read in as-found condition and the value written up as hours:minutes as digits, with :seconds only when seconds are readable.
9:29:52
